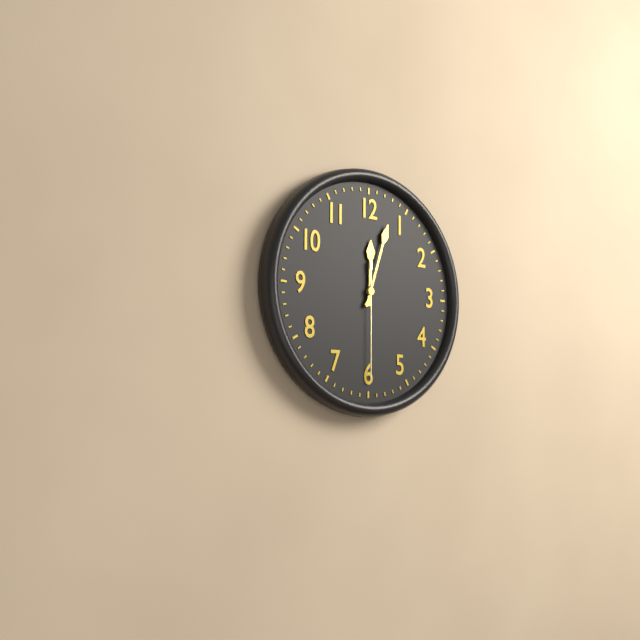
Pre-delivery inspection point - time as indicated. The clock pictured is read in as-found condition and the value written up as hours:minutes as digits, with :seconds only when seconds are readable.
12:03:30
